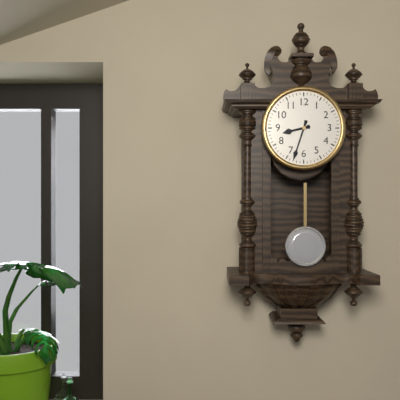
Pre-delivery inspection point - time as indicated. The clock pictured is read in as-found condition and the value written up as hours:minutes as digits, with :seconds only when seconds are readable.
8:33
